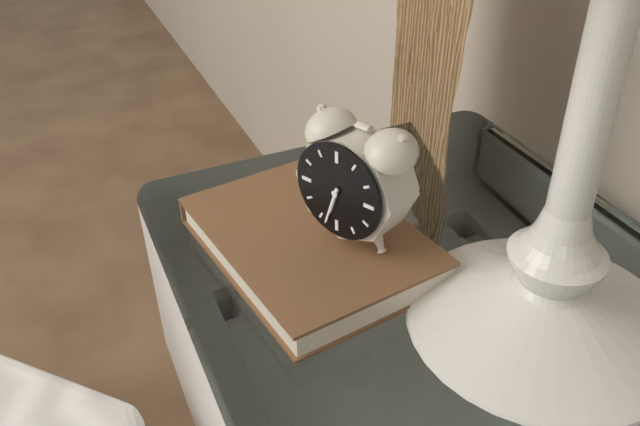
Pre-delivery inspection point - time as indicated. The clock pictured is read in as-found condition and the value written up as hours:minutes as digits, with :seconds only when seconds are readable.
6:33
